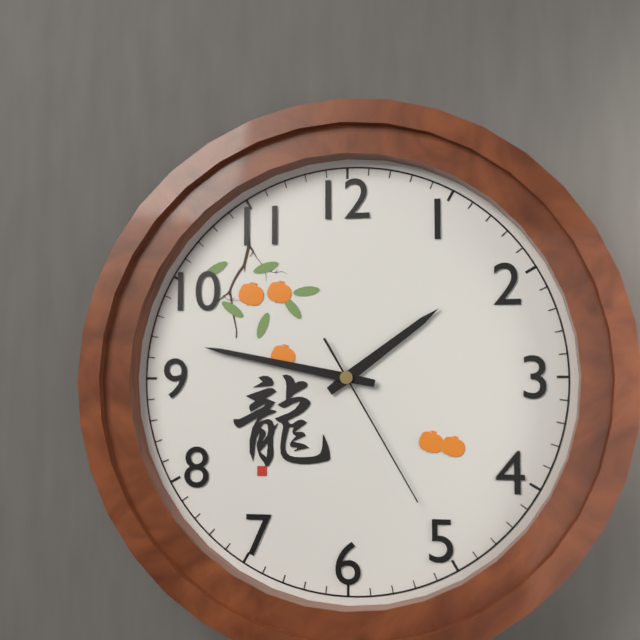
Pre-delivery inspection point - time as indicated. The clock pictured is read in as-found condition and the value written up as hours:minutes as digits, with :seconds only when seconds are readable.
1:47:25
